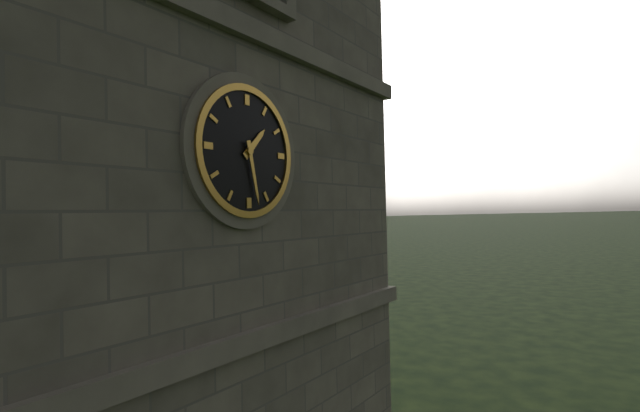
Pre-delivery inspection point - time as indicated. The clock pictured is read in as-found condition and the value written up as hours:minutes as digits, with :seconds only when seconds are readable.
1:28
